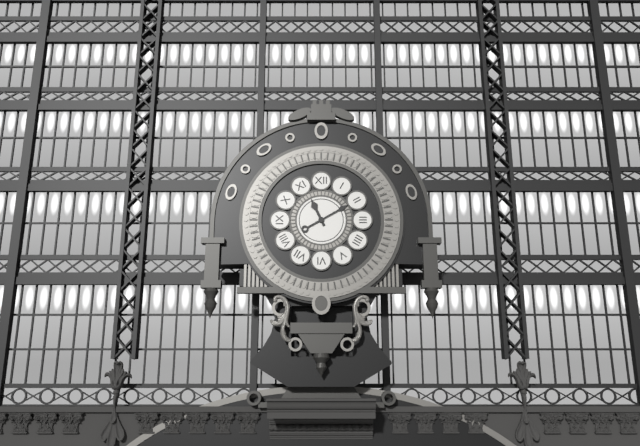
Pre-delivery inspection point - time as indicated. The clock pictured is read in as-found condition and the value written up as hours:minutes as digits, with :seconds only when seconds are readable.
11:10
